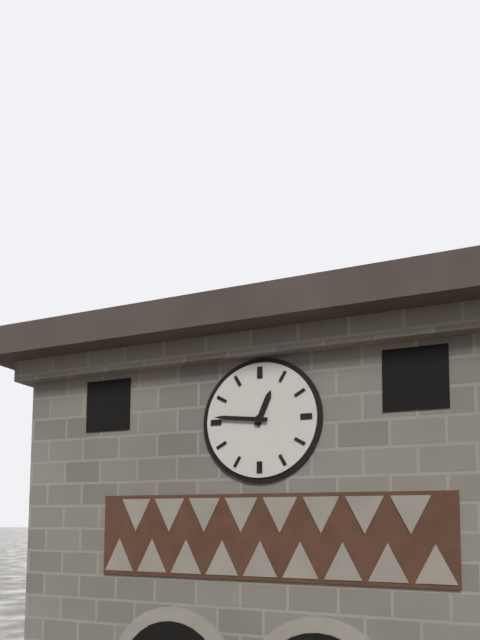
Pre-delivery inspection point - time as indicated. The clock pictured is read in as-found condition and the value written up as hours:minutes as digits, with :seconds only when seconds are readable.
12:46
